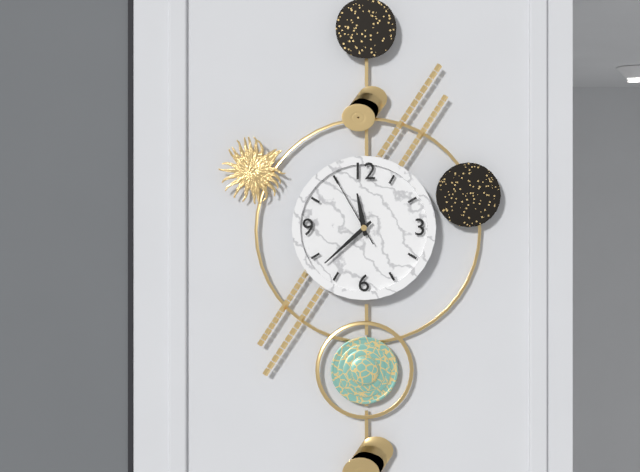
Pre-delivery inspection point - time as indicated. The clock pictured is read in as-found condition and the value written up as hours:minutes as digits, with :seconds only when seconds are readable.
11:38:55
